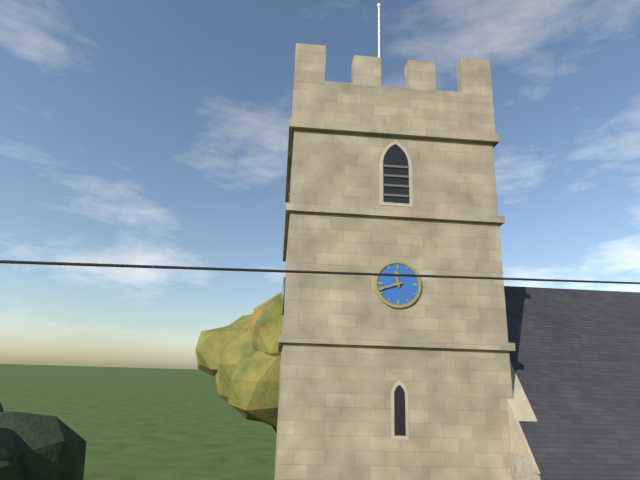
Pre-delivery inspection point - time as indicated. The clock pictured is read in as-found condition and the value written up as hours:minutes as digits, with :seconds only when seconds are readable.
11:42
